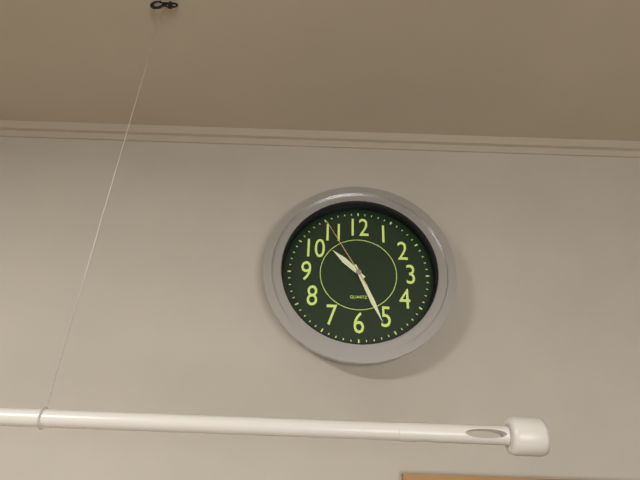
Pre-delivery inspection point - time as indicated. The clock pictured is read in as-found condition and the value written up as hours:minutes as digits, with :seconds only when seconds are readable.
10:26:55
